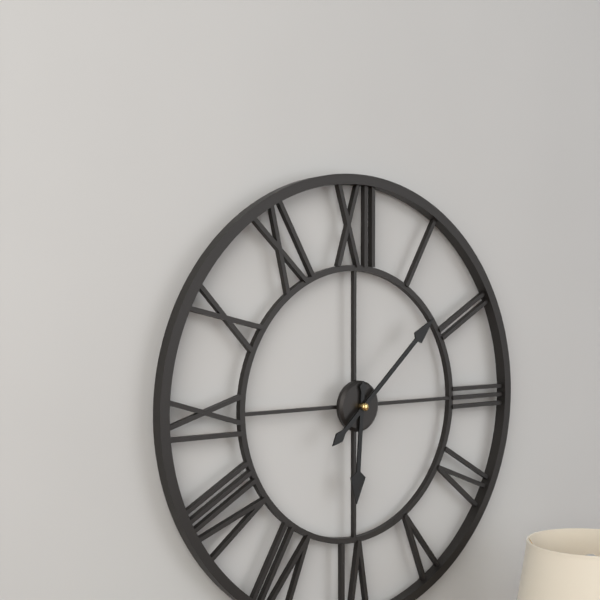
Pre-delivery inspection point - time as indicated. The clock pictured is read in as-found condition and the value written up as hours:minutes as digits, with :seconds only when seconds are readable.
6:08
